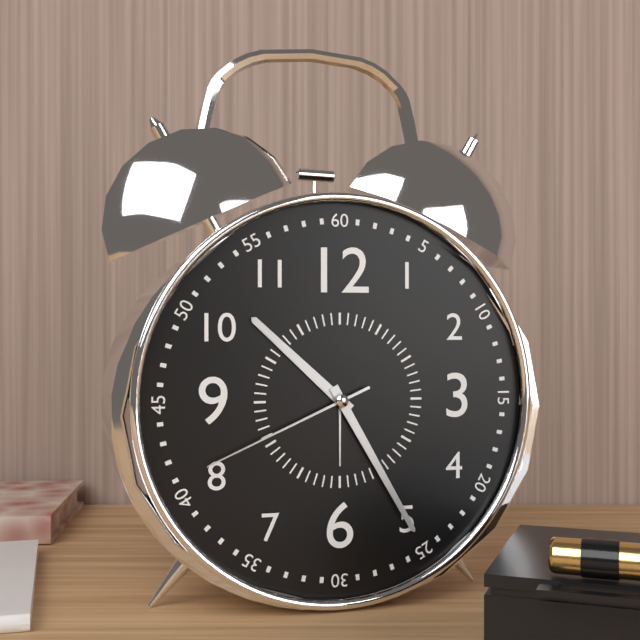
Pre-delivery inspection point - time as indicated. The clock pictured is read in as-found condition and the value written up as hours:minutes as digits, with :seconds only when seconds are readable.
10:25:41
